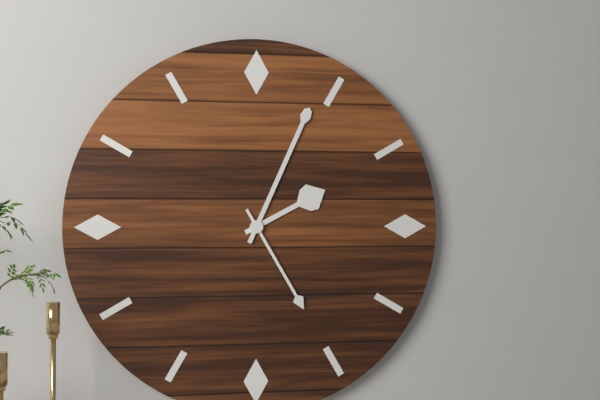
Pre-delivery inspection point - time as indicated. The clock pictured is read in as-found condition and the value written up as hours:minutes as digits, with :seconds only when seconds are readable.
2:04:25
